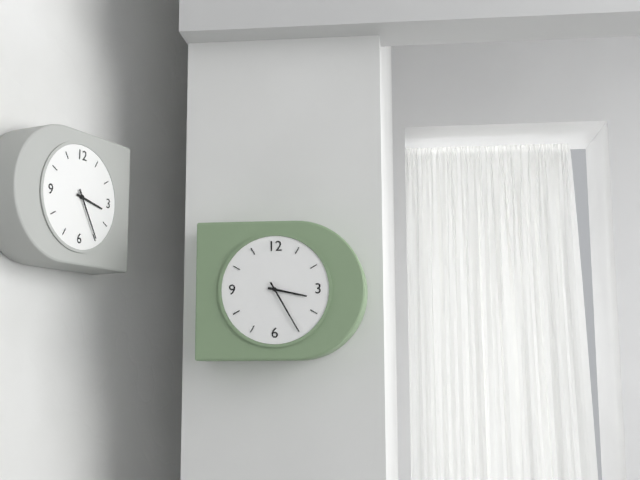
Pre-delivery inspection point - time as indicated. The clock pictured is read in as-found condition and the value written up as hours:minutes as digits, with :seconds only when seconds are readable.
3:25
